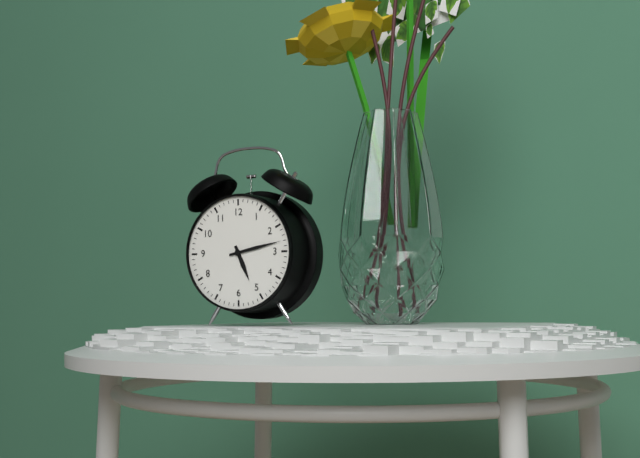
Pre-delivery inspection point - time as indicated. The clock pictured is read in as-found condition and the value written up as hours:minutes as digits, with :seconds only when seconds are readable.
5:13
